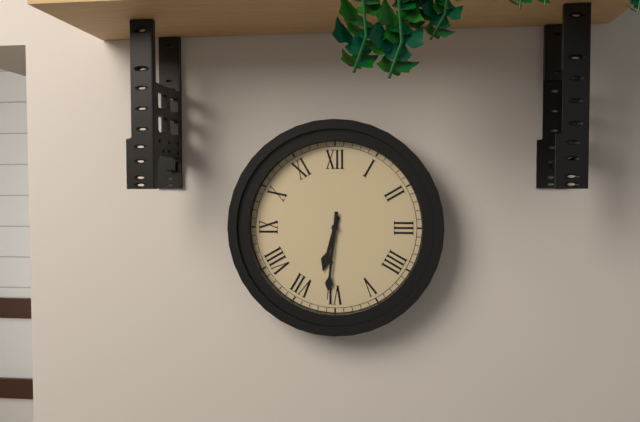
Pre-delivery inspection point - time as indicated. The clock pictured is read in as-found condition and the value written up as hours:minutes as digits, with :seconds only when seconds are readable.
6:31
